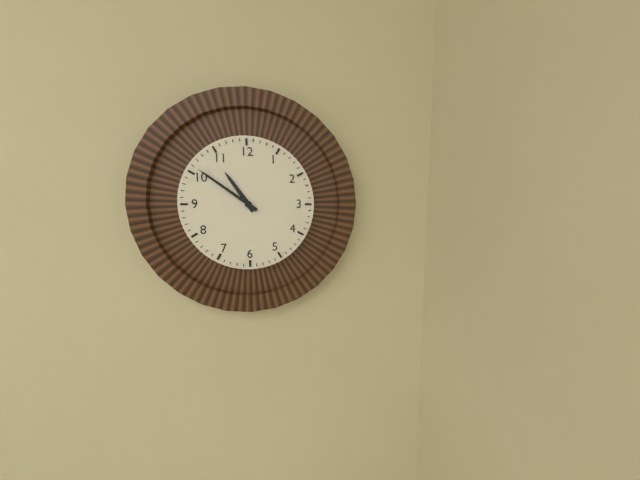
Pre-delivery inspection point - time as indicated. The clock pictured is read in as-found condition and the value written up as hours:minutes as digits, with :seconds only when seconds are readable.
10:51
